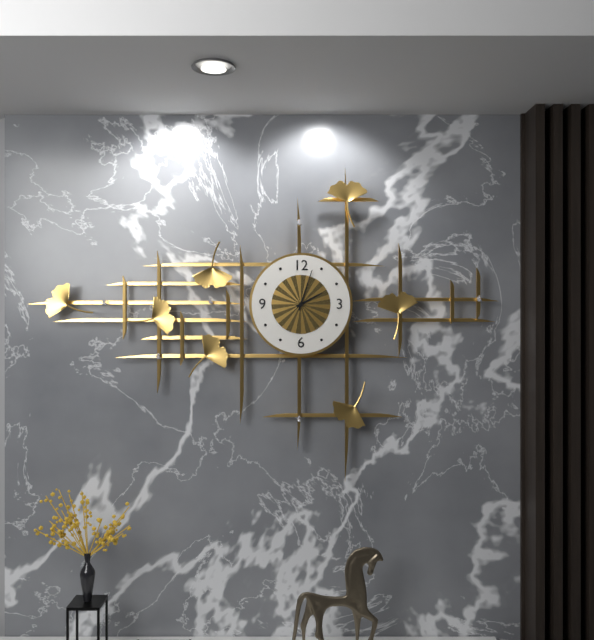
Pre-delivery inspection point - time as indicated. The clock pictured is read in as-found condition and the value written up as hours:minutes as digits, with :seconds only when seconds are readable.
2:03
